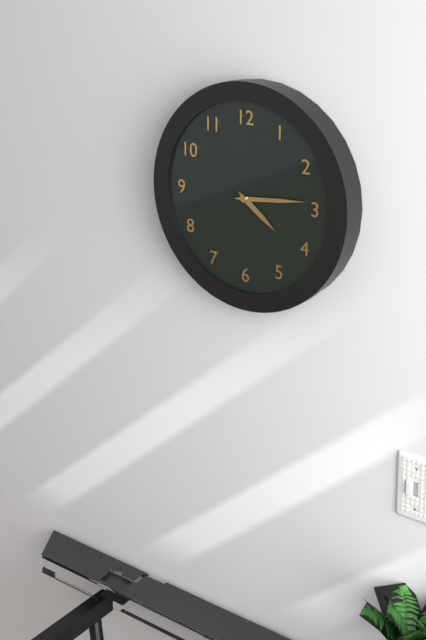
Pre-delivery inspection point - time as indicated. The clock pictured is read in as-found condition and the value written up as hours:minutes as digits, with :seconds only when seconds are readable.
4:14
